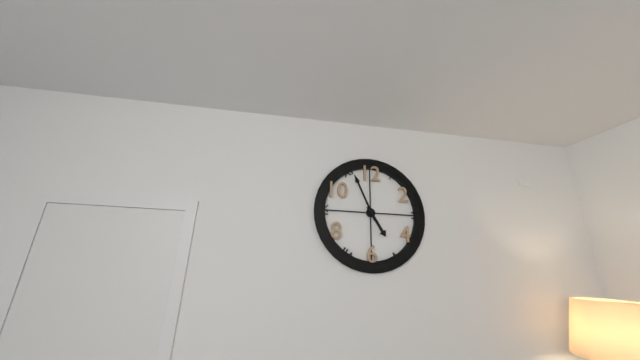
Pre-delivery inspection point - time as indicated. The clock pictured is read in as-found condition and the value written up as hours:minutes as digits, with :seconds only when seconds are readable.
4:56
